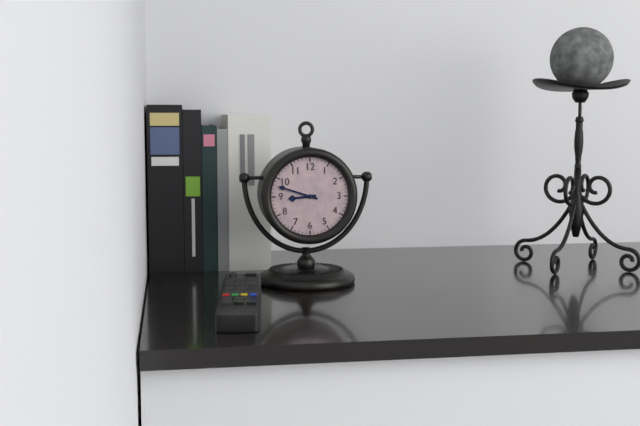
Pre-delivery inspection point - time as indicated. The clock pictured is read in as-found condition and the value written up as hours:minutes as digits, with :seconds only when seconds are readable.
8:48
